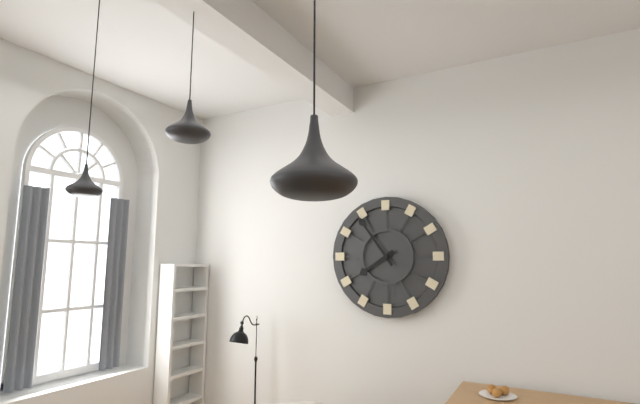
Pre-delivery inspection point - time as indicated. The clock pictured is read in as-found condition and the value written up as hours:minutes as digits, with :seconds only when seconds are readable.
7:54
